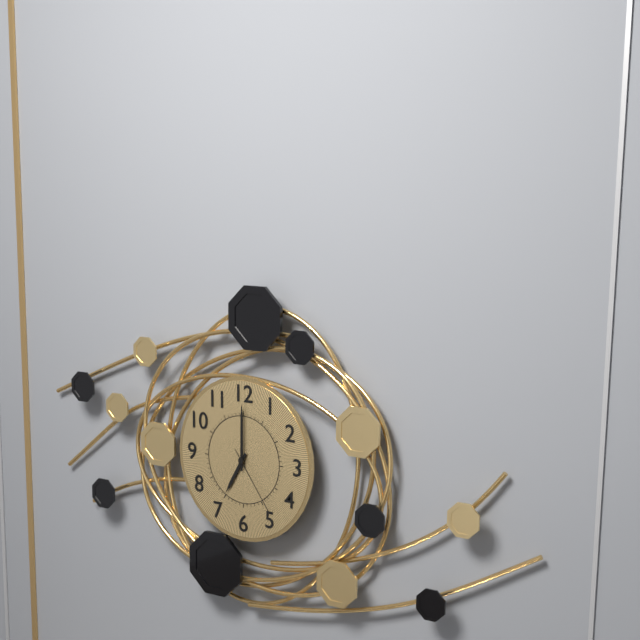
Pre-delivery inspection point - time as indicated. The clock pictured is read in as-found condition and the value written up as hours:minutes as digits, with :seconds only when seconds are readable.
7:00:24
